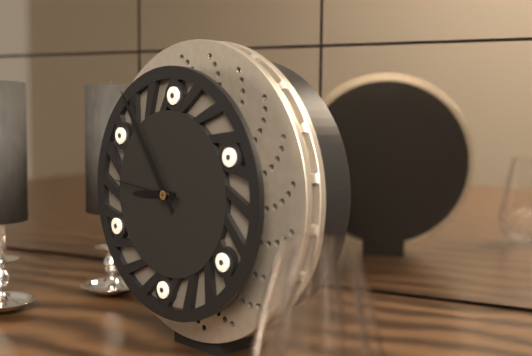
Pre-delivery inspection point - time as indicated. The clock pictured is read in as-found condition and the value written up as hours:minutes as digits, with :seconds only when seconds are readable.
8:54:46
